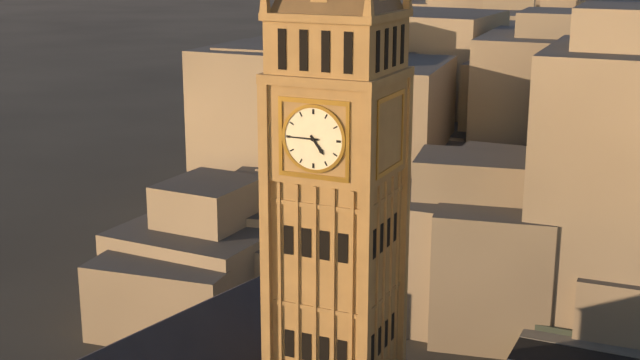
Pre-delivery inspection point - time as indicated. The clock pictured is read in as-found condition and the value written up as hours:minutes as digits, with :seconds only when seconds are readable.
4:45
